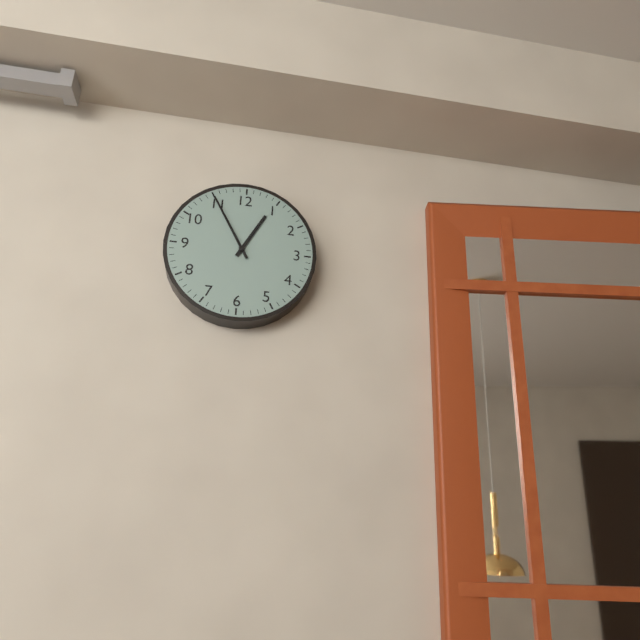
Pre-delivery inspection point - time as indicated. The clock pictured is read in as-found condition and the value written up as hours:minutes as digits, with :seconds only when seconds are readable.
12:55
